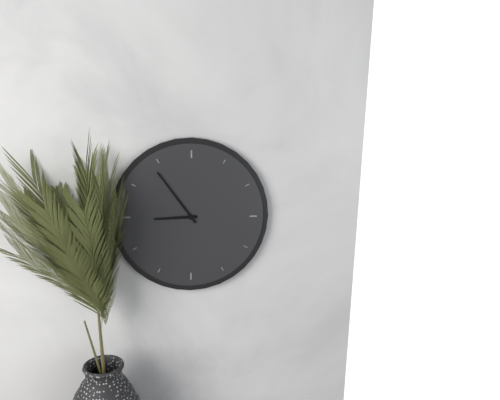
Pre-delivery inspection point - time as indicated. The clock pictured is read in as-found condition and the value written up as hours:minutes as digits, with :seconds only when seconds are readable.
8:54
